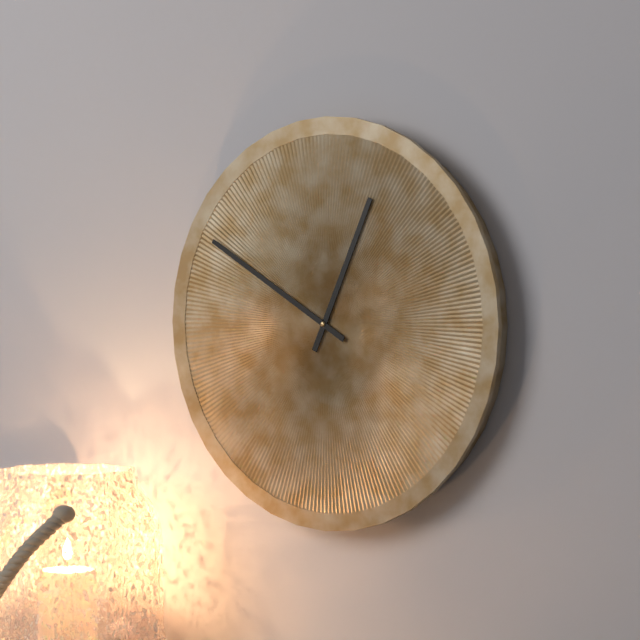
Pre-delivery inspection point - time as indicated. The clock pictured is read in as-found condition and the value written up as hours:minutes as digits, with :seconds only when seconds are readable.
12:50
